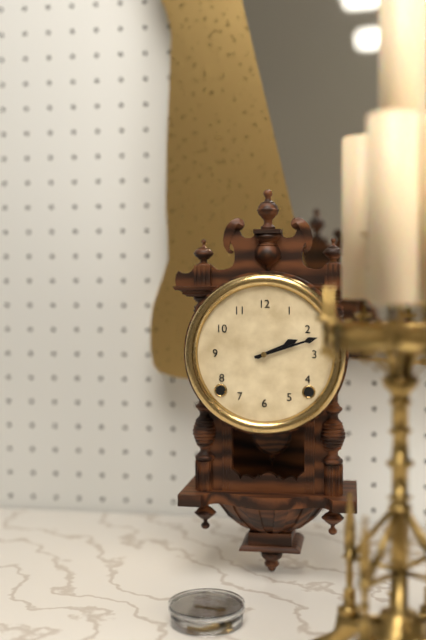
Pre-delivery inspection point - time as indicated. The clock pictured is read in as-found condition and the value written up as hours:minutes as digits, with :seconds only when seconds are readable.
2:12
